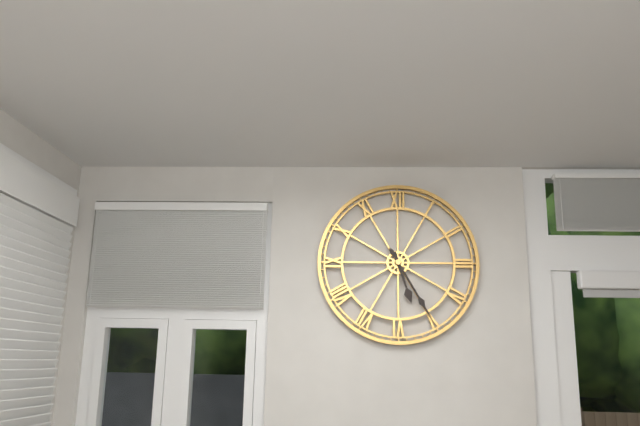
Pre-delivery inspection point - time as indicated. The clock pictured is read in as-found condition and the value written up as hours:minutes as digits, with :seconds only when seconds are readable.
5:25
